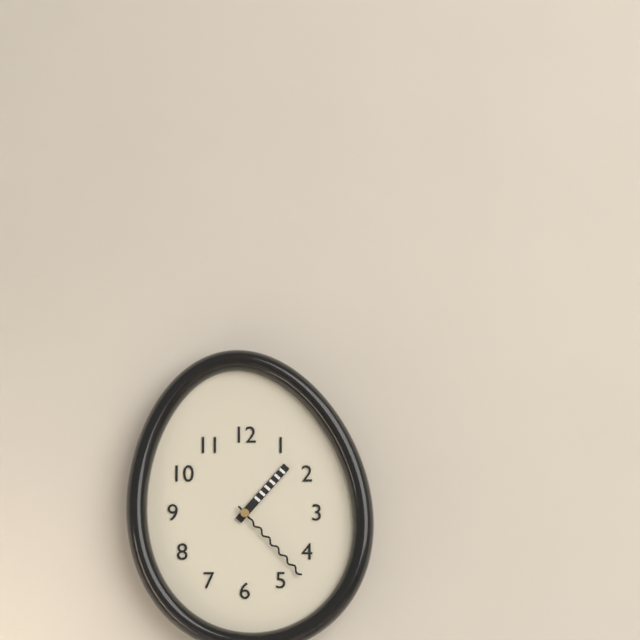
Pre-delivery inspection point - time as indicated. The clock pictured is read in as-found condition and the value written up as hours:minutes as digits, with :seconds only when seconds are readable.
1:23
